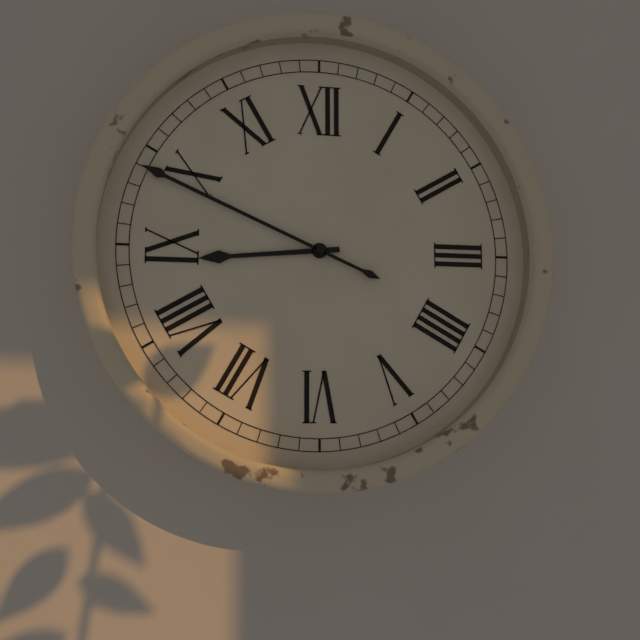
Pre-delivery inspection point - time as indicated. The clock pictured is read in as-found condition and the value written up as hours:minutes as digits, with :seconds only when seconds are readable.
8:49
